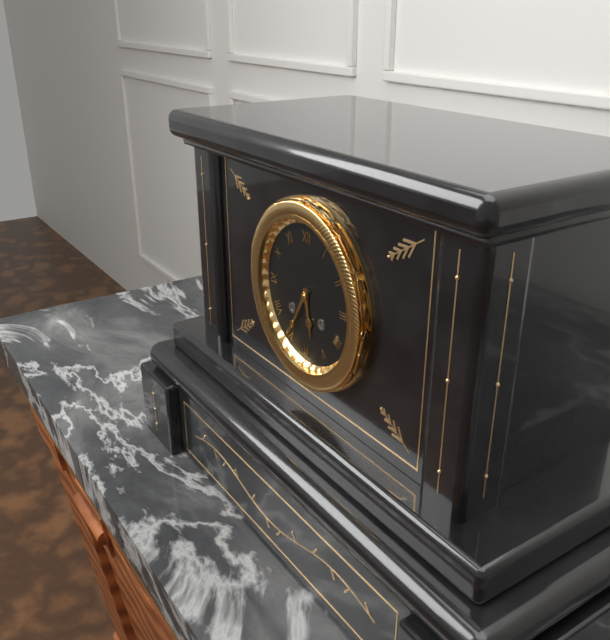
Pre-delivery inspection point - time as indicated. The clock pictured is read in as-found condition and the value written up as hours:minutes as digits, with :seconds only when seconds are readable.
5:35
